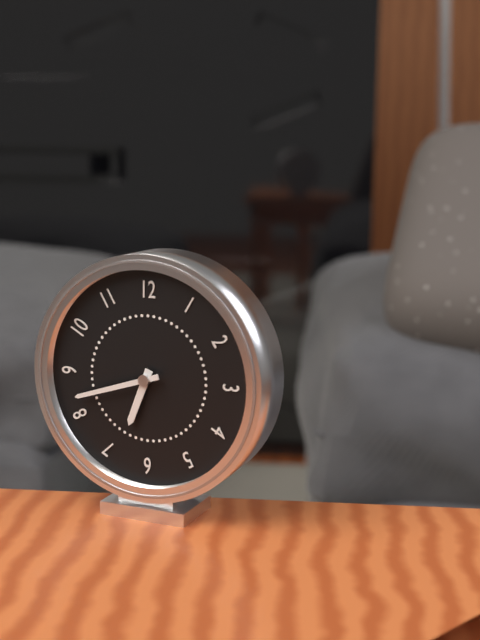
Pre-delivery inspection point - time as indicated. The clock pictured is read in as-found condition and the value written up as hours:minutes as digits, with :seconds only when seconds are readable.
6:42
